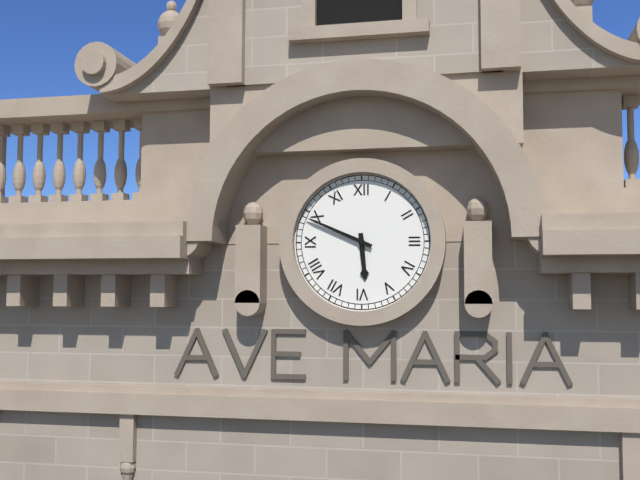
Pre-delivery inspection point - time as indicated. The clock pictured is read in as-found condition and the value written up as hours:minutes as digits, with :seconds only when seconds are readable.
5:49
